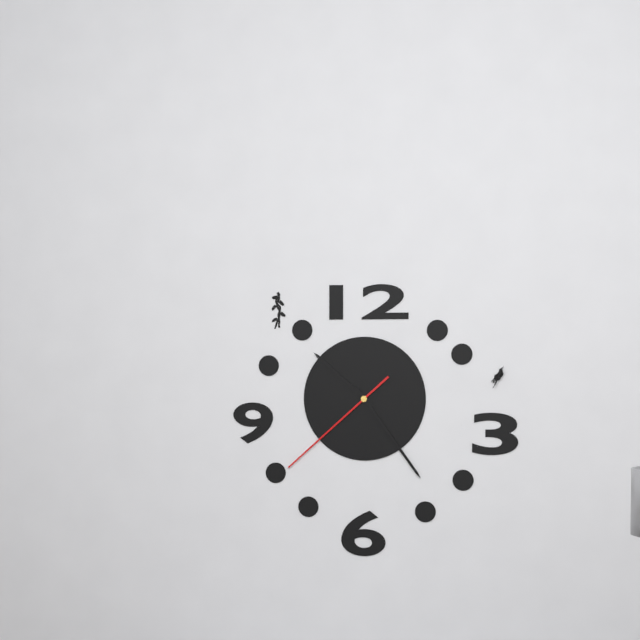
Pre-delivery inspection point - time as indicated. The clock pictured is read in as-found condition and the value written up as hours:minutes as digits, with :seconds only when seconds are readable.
10:24:38
